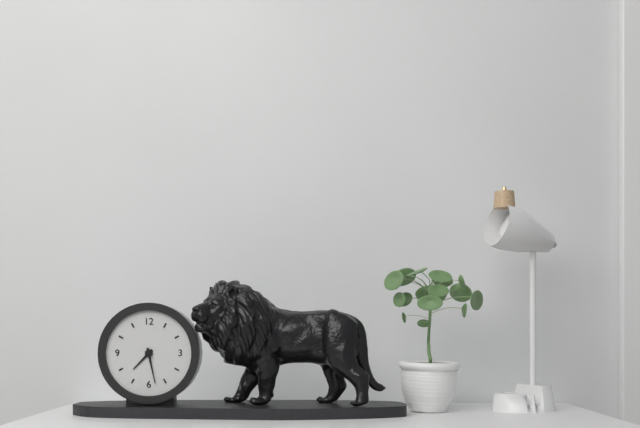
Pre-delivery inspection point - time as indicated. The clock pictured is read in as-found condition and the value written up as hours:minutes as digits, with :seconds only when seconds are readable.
7:28
